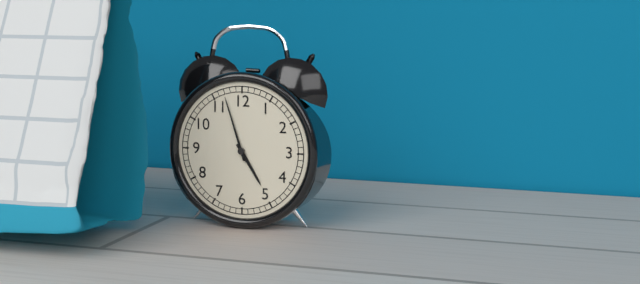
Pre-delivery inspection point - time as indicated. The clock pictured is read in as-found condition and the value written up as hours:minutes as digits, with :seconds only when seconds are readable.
4:57
